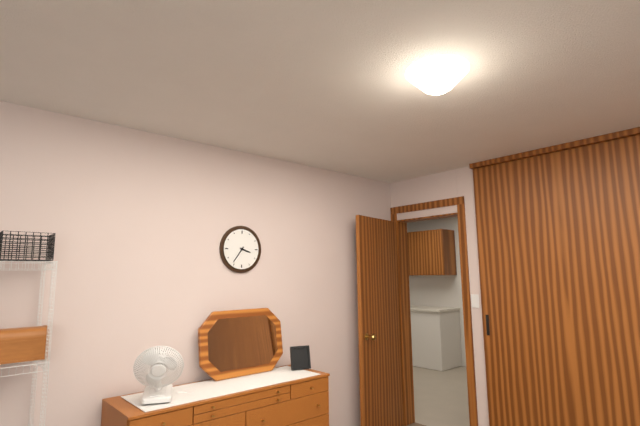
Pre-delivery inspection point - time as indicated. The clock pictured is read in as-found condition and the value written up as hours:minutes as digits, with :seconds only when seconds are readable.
3:36
